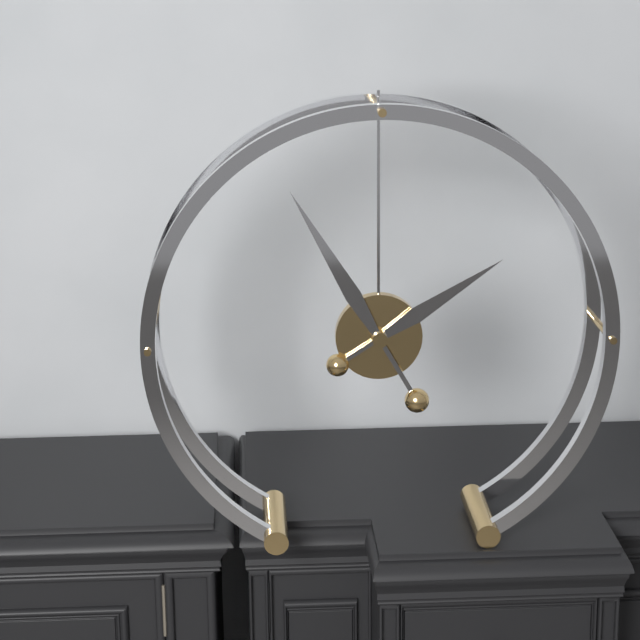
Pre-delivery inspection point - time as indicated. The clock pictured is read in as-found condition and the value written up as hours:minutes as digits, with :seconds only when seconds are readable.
1:55
